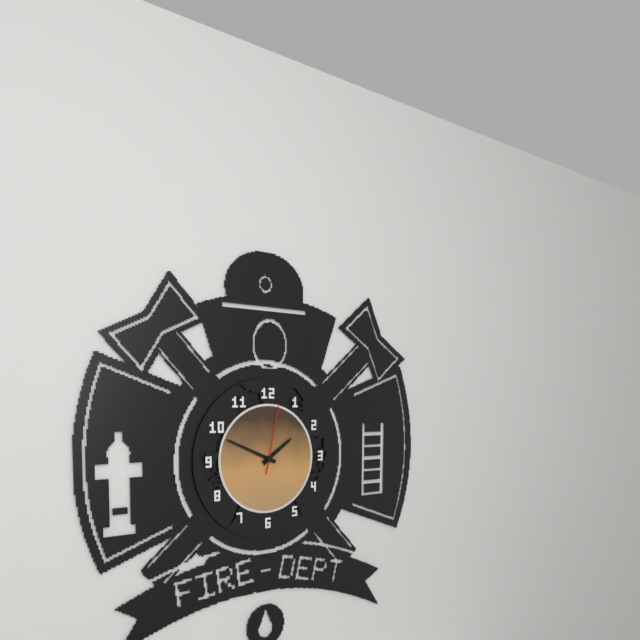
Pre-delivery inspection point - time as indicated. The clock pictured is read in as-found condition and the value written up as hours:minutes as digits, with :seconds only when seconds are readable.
1:49:02
